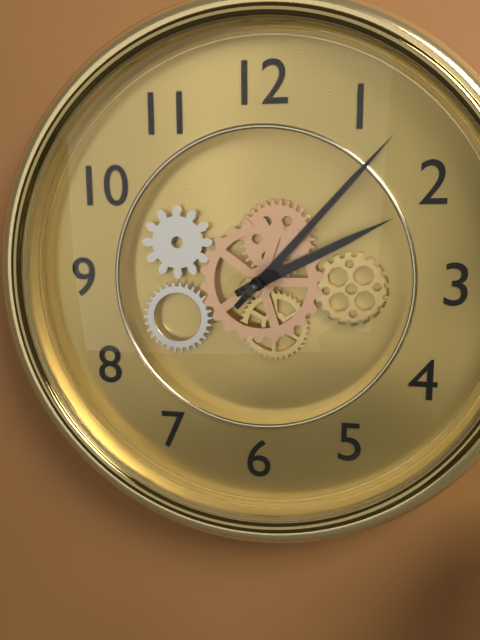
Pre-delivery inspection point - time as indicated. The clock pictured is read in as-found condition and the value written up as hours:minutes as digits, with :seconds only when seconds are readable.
2:07
